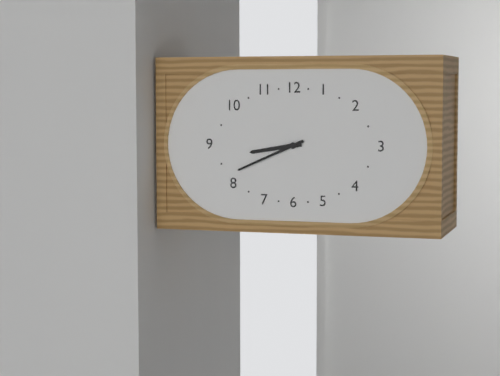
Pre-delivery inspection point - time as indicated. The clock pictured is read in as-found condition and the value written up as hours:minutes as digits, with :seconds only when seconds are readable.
8:41
